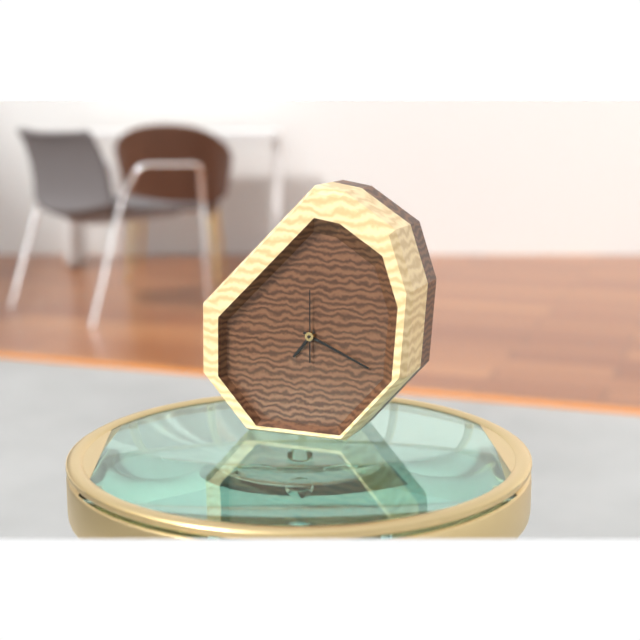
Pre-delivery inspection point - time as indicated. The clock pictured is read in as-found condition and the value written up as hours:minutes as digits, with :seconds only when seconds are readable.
7:19:00
